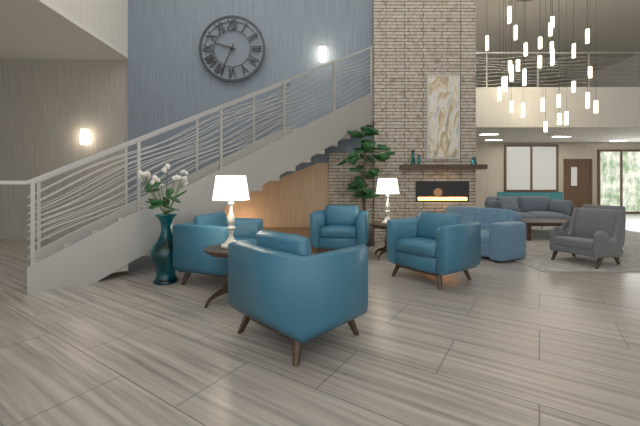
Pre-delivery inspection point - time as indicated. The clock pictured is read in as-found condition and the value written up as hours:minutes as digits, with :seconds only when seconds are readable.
9:34
